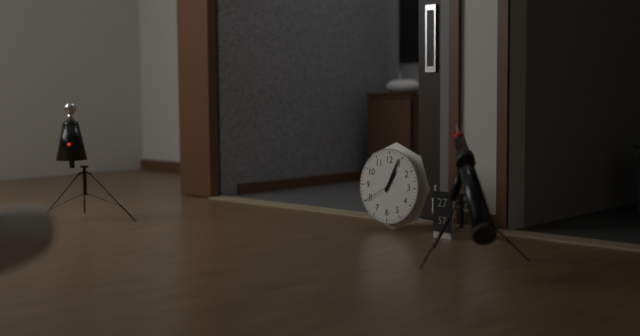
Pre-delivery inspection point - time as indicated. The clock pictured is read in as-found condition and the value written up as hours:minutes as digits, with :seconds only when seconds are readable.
1:04
